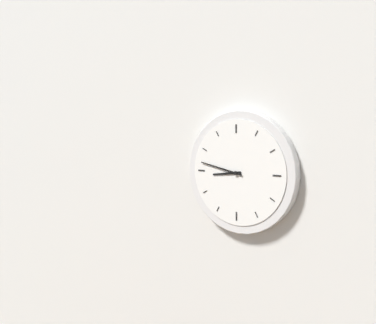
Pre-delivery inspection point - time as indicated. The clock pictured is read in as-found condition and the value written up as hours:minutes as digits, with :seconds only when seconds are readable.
8:47
